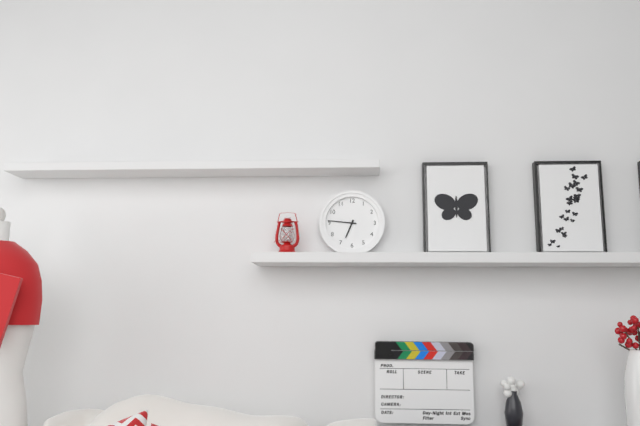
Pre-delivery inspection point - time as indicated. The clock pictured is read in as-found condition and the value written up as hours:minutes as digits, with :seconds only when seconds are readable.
6:46
